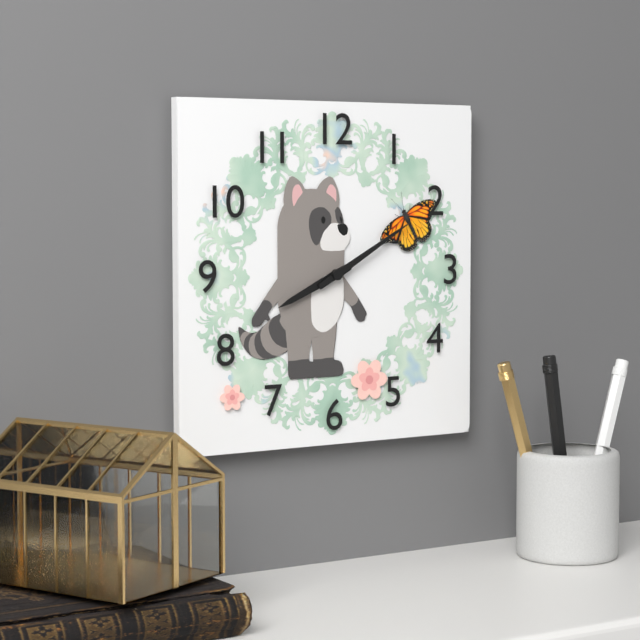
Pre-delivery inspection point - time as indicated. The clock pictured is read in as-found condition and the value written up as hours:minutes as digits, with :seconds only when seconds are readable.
8:10
